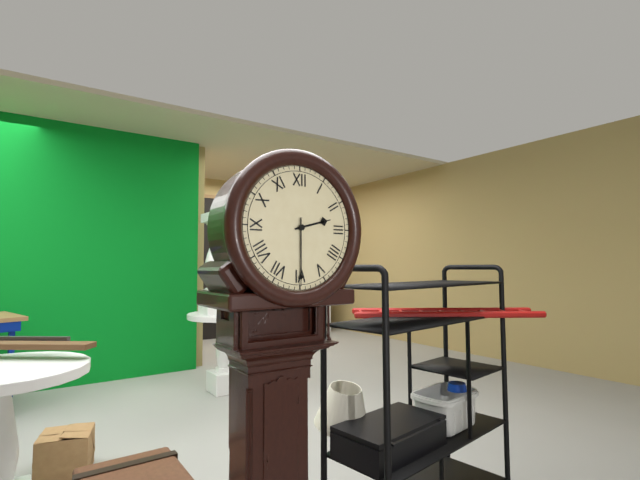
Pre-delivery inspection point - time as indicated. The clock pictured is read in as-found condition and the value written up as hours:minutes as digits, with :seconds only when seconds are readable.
2:30
